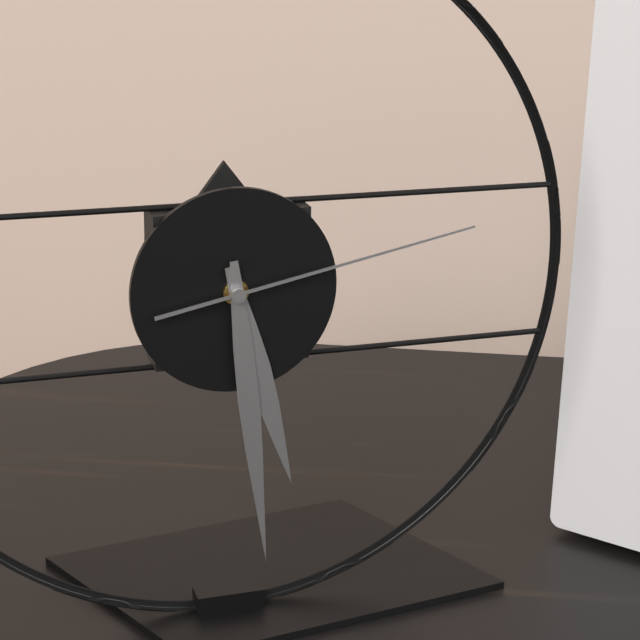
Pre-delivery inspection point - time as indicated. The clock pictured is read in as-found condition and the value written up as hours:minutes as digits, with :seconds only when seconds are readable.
5:29:13
